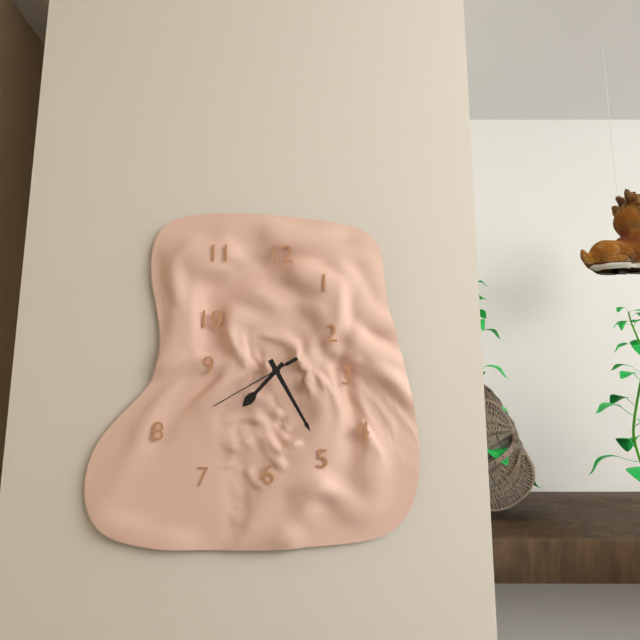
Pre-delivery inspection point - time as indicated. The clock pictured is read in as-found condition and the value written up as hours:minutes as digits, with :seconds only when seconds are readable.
7:25:40
